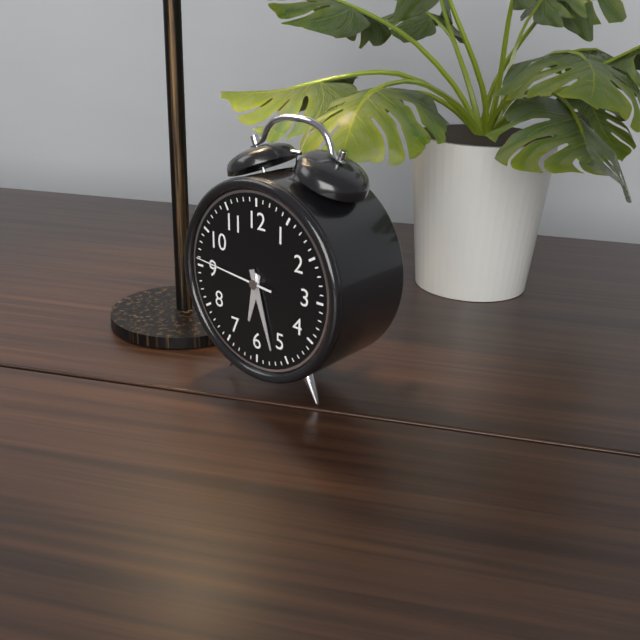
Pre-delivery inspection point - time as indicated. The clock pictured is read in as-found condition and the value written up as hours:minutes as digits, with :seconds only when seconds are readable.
6:27:46
